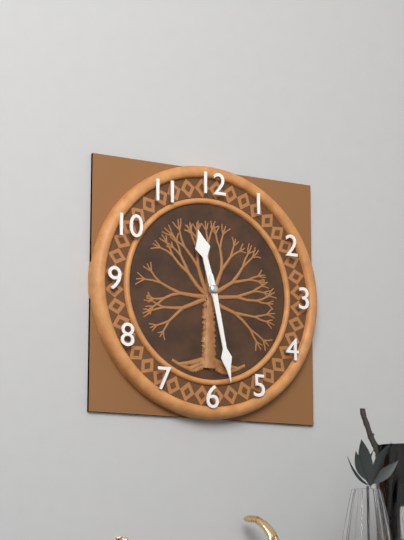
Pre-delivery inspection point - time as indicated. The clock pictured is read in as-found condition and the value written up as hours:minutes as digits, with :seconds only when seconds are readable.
11:28
